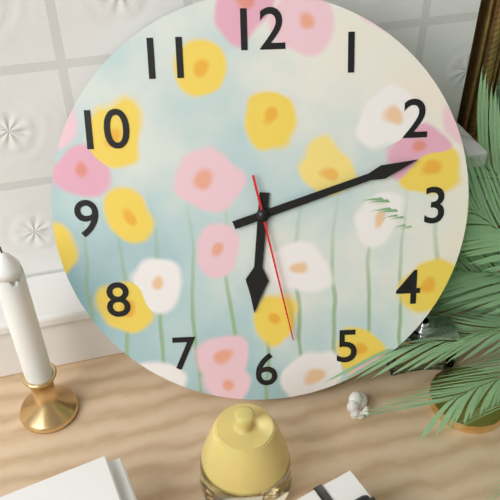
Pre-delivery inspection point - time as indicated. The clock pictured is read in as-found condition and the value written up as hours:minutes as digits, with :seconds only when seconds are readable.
6:12:28
